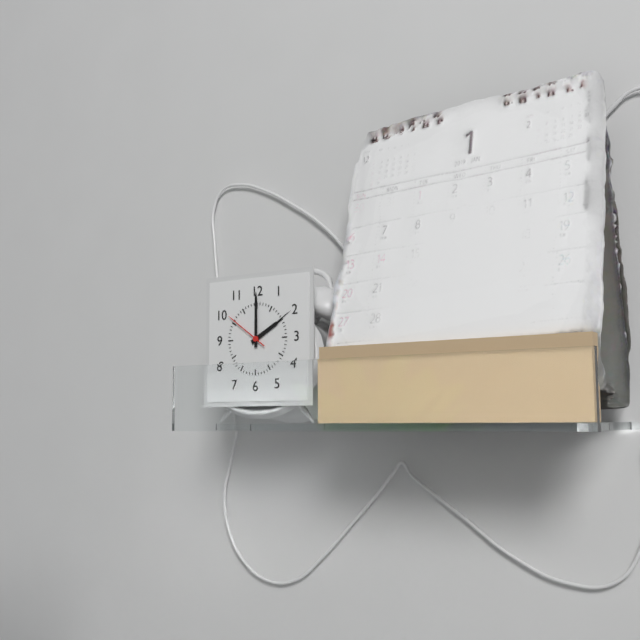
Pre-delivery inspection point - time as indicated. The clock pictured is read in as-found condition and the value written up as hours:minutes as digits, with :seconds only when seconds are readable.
2:00
